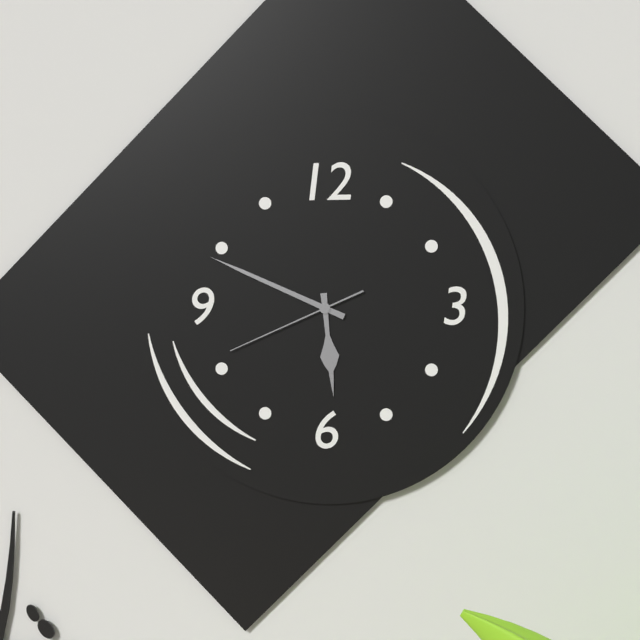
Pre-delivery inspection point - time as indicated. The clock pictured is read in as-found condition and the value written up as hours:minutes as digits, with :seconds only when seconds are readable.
5:49:41
